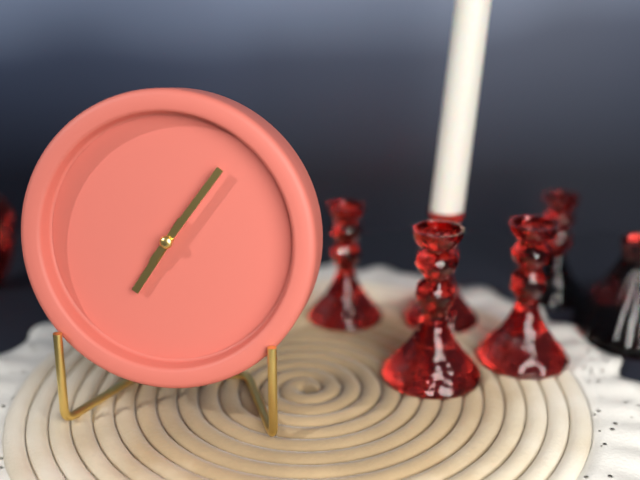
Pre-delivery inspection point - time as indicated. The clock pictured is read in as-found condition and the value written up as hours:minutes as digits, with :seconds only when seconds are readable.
7:06
